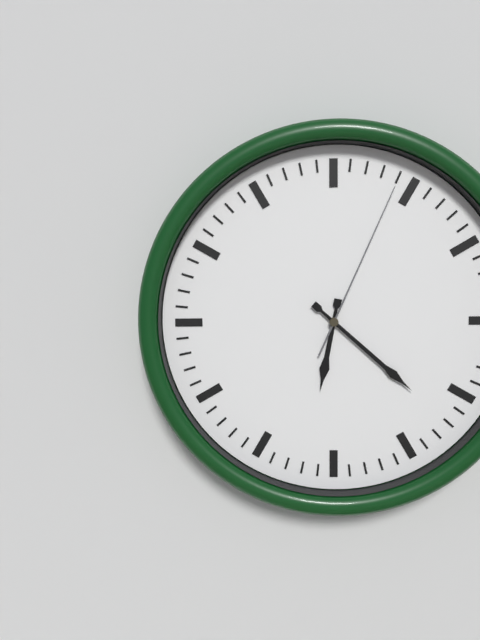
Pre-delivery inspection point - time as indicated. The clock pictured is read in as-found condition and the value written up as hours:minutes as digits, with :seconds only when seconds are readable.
6:22:04
